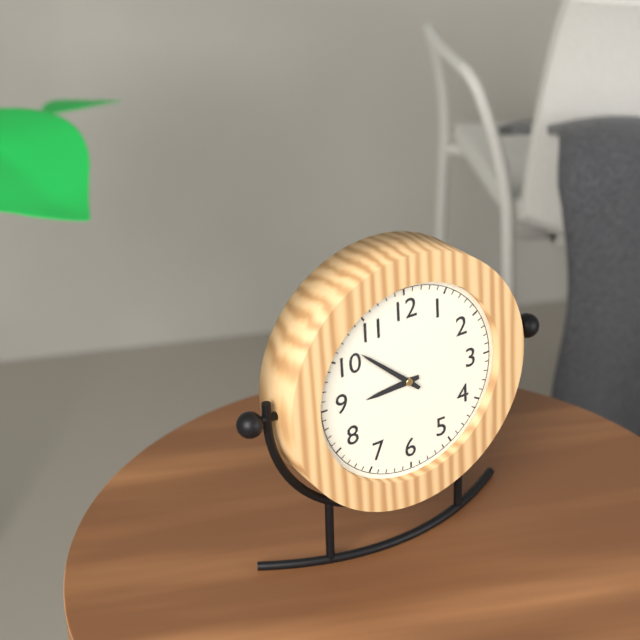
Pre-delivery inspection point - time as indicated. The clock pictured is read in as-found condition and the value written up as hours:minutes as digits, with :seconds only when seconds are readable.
8:52
